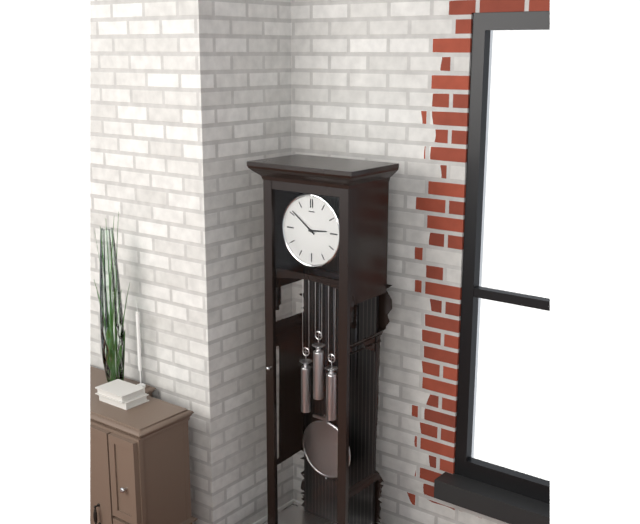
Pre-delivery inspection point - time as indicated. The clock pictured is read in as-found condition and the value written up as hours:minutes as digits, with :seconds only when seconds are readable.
2:51
